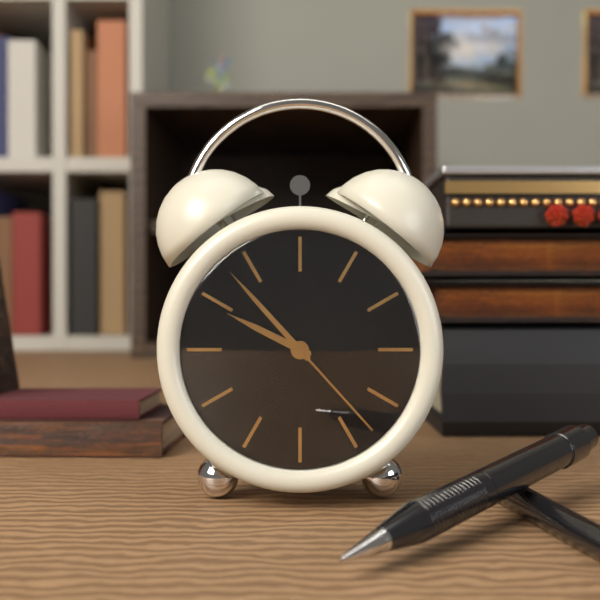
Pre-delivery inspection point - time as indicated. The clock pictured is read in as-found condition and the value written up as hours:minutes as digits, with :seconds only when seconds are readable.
9:53:23
